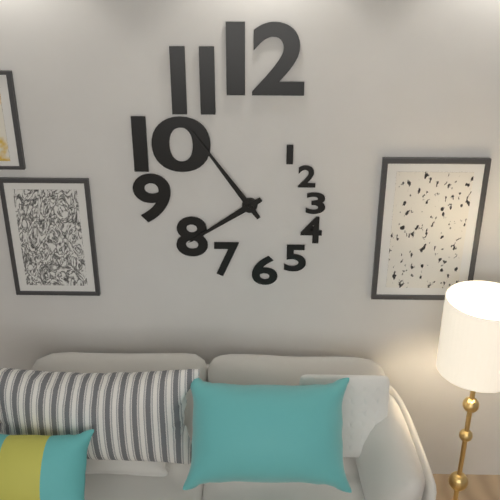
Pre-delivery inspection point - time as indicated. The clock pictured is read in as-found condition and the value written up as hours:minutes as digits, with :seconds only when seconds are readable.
7:54
